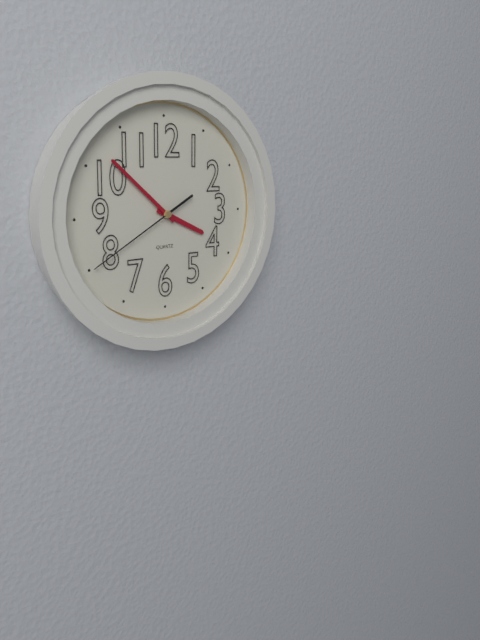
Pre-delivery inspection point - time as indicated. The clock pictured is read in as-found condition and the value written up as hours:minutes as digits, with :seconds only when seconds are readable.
3:52:40
